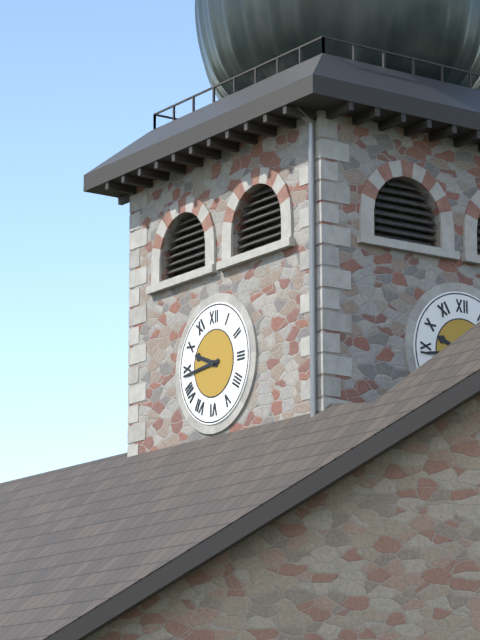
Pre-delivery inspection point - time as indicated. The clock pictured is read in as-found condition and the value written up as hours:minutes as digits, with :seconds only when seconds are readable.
9:44
